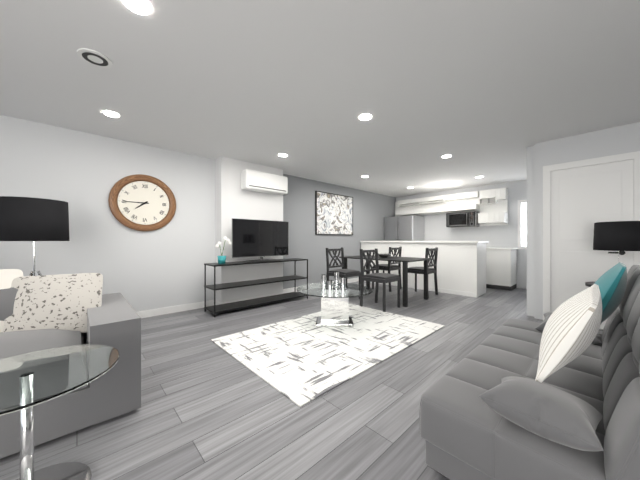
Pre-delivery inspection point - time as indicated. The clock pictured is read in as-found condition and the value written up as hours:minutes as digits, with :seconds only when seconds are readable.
7:45
